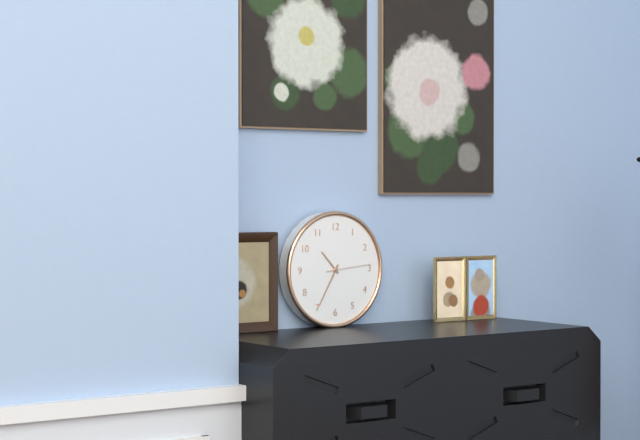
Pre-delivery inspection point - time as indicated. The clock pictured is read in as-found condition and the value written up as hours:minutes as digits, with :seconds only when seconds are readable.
10:35
